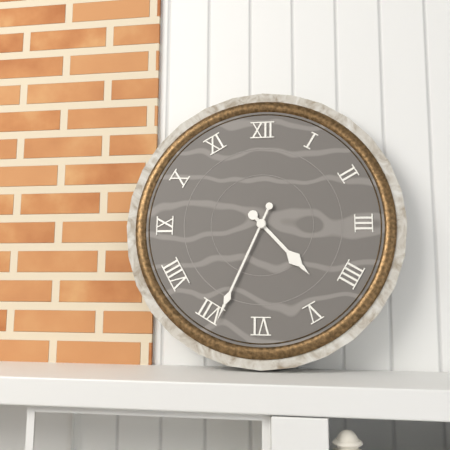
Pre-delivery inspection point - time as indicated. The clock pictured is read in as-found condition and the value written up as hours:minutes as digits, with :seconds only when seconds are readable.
4:34
